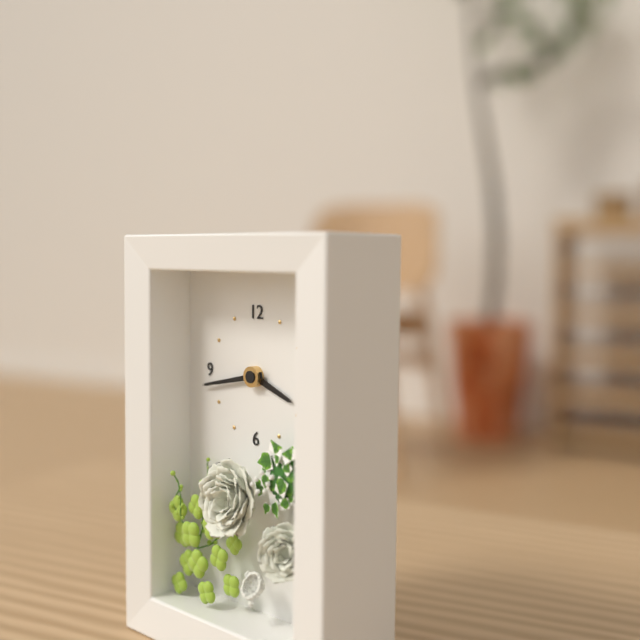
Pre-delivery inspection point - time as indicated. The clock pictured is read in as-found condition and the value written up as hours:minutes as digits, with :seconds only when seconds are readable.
3:43
